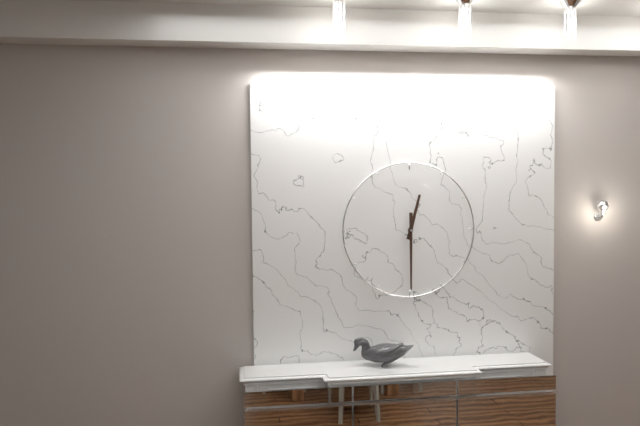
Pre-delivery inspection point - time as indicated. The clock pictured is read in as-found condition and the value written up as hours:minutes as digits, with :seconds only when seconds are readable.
12:30
